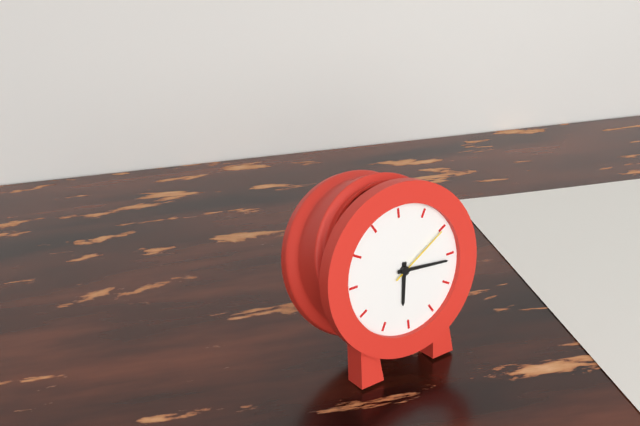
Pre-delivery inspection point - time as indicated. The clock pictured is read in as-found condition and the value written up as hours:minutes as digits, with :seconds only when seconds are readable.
6:16:10
